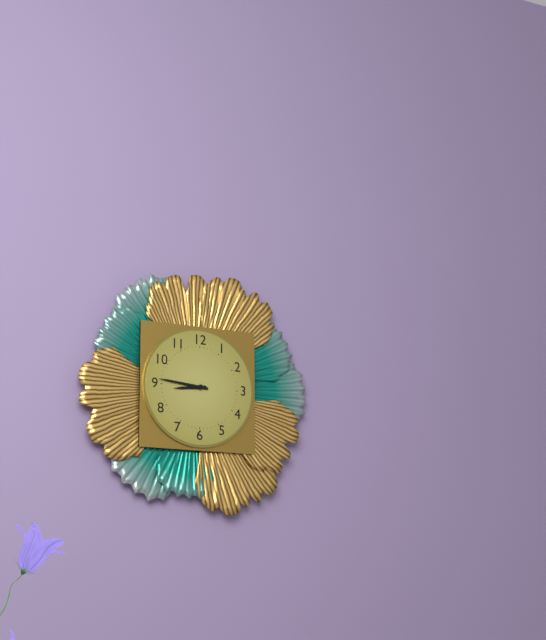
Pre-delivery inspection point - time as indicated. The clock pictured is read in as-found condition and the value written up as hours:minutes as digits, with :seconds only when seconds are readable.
8:46
